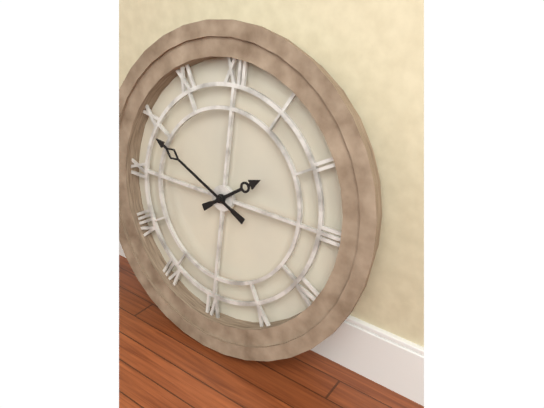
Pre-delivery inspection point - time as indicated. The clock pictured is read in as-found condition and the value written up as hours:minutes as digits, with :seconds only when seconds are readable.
1:49
